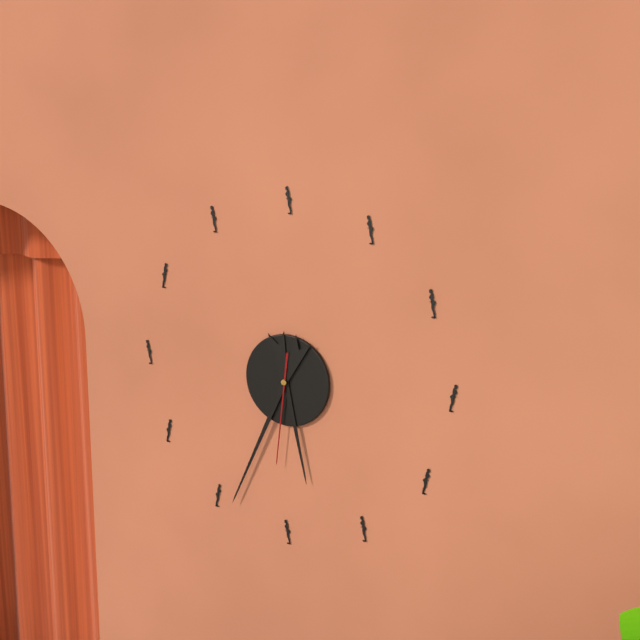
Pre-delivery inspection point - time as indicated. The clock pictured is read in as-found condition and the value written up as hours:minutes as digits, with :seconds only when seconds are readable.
5:34:31
